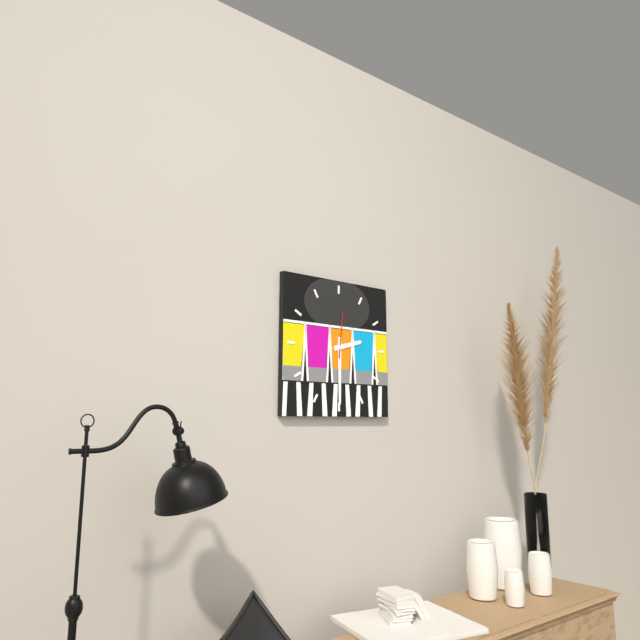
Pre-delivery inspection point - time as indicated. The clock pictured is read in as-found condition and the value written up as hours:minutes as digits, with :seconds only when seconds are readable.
2:30
